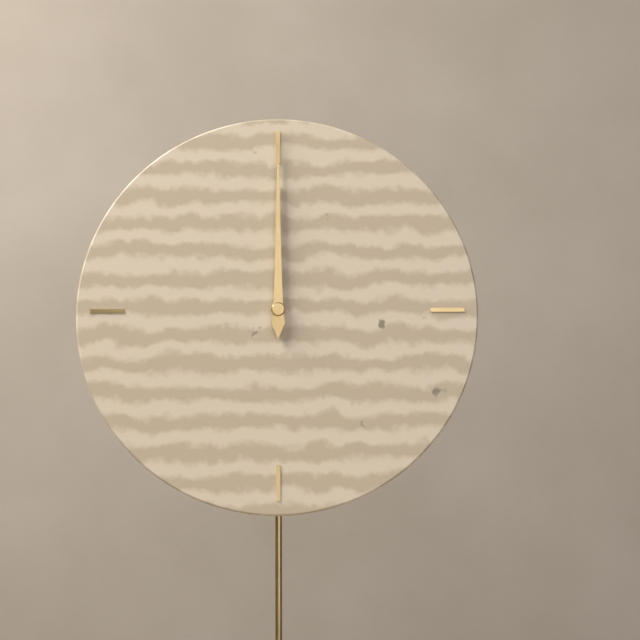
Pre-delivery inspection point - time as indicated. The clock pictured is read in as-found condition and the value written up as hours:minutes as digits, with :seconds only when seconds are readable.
12:00
